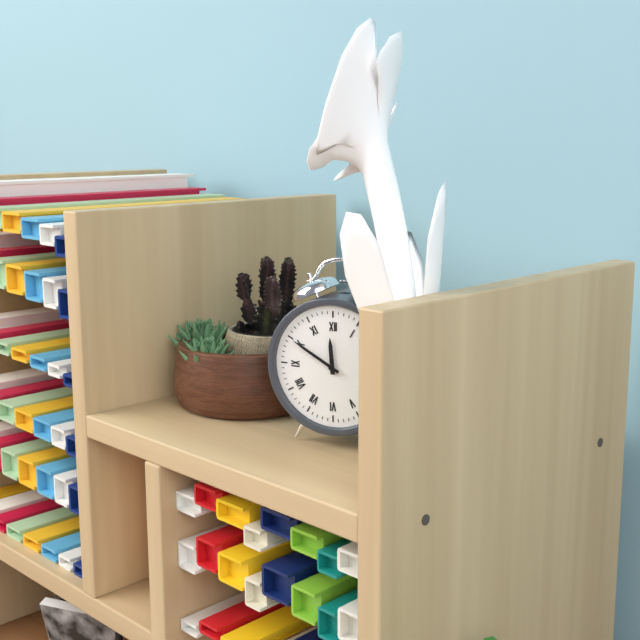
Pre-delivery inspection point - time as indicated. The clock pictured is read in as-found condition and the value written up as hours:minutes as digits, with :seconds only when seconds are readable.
11:50
